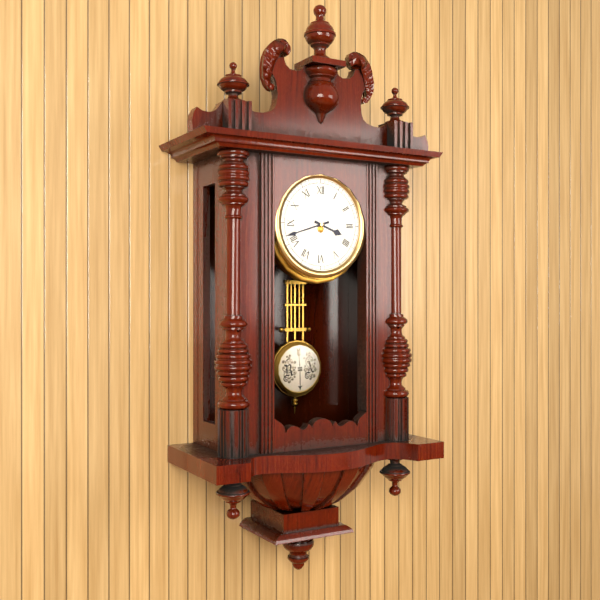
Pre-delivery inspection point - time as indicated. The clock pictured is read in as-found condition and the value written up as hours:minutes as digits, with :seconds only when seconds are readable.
3:42
